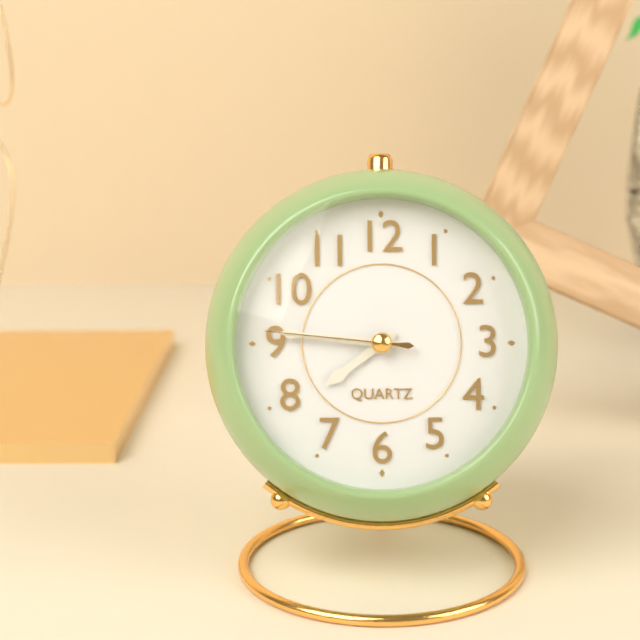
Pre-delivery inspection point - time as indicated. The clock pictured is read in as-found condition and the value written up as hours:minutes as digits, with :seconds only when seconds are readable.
7:46:46
